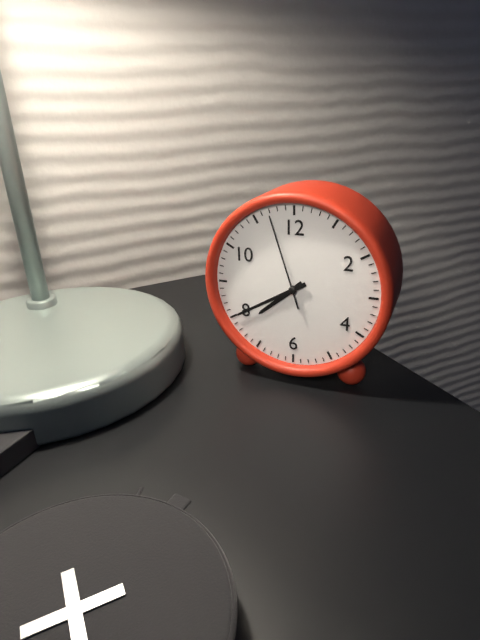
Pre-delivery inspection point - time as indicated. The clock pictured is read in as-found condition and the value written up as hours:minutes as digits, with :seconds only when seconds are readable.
7:40:57
